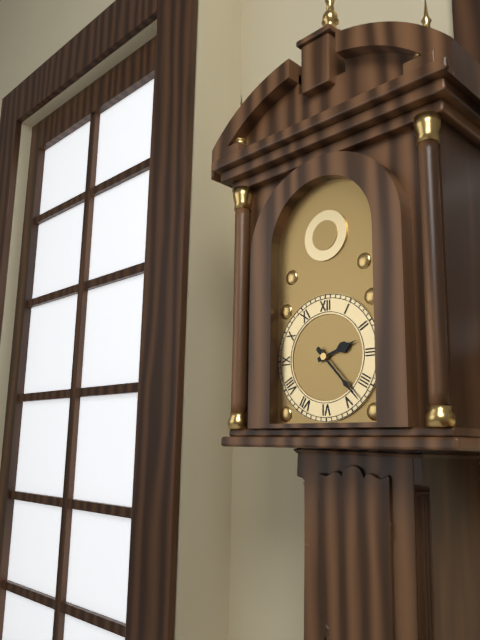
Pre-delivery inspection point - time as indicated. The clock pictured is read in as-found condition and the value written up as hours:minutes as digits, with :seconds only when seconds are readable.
2:23
